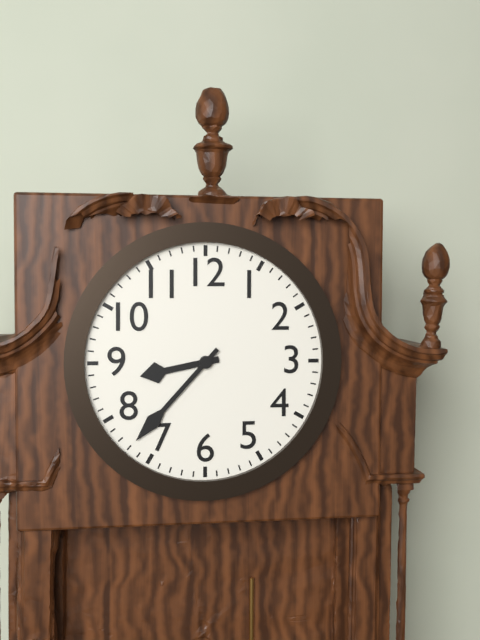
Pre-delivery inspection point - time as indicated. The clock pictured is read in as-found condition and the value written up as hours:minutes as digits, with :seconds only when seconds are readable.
8:37
